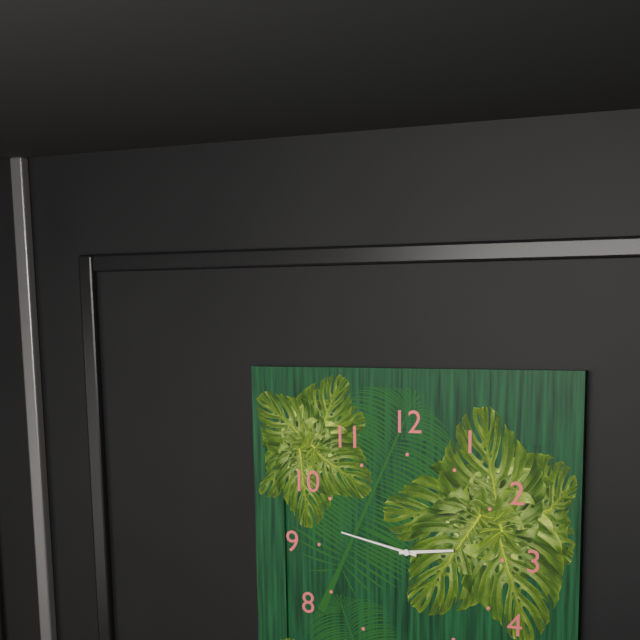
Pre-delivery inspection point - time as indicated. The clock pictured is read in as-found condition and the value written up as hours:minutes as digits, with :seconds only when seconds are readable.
2:47
